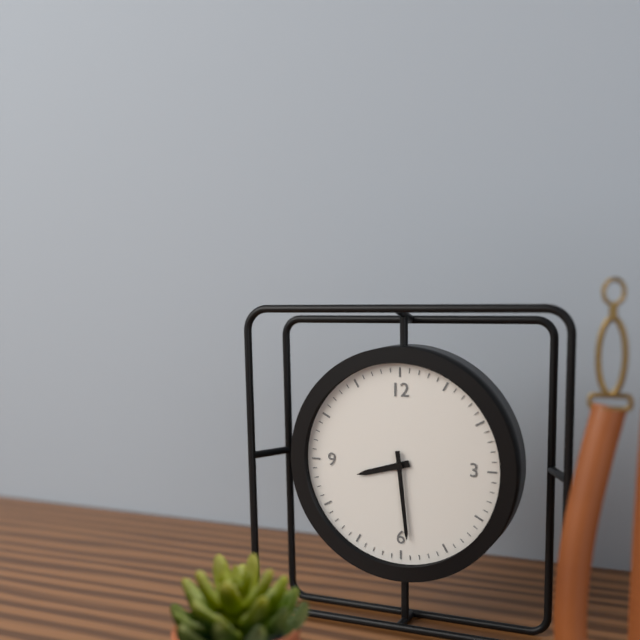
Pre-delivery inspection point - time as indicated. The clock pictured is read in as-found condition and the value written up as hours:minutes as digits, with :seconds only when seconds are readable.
8:29
